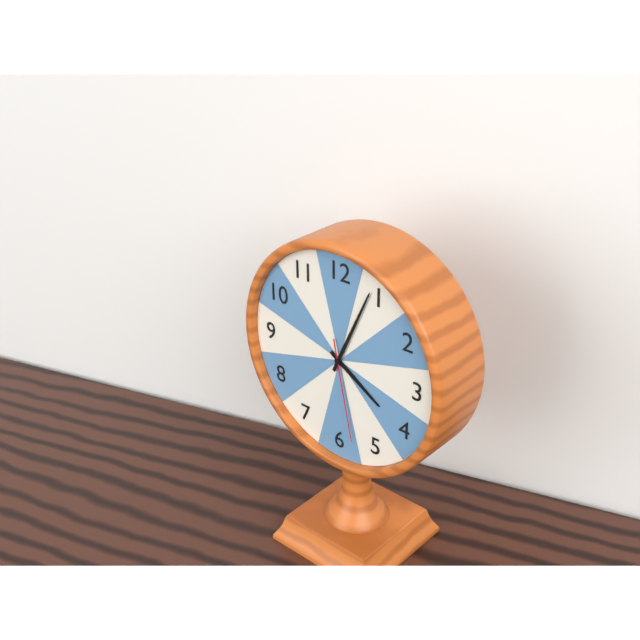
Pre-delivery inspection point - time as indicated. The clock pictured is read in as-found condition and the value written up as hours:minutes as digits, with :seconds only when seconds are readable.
4:04:28
